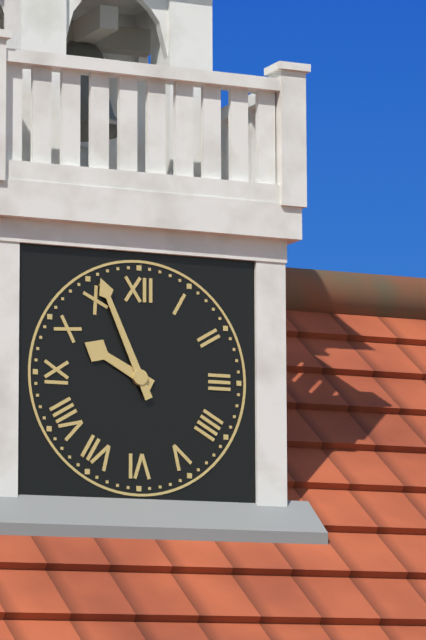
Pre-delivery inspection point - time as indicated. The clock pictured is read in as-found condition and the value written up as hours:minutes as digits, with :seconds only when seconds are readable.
9:56
